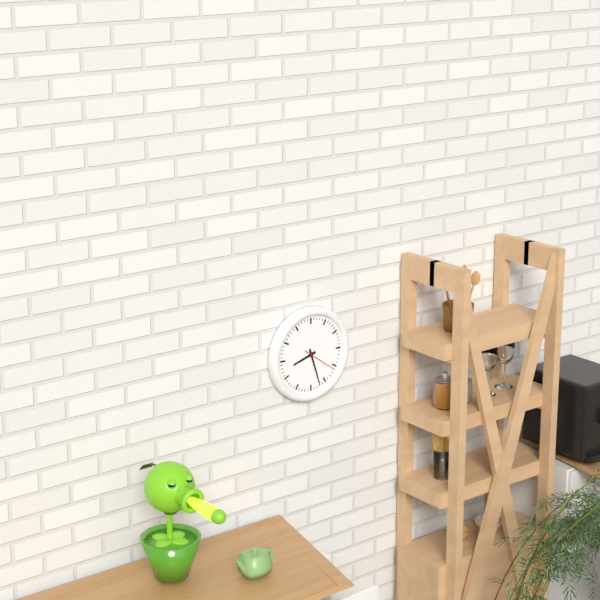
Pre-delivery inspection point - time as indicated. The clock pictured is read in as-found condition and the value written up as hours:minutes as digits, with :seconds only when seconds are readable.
8:27
